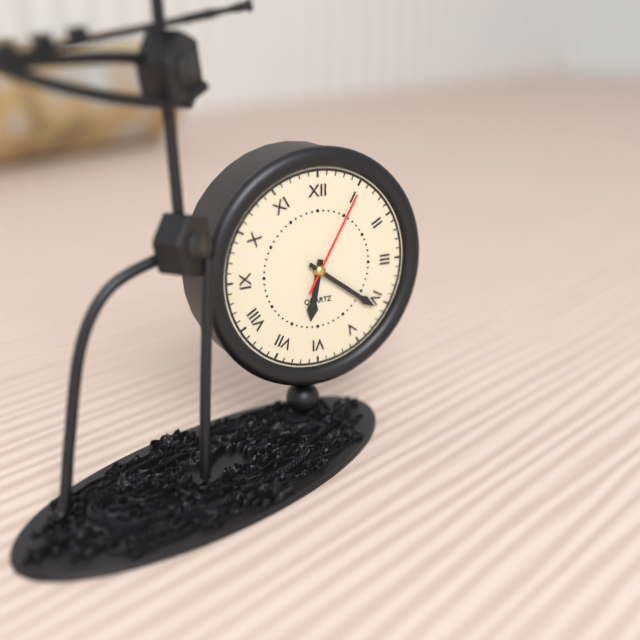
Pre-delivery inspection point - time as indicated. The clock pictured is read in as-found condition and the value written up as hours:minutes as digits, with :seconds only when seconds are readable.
6:21:05
